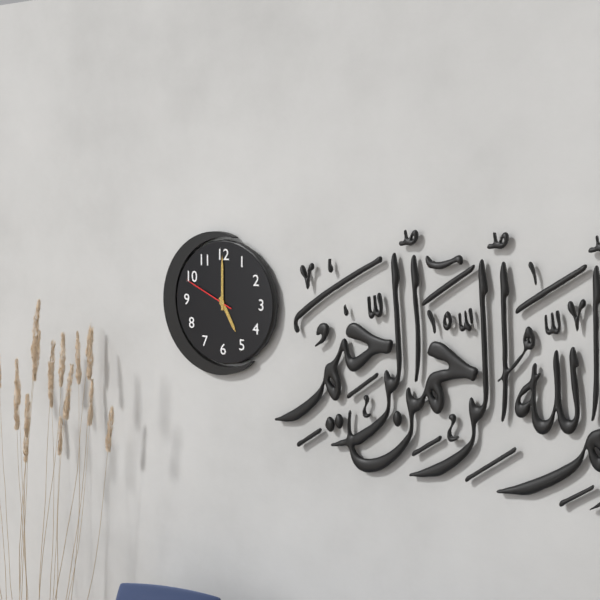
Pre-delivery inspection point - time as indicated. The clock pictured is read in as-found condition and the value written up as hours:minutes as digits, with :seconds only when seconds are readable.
5:00:49
